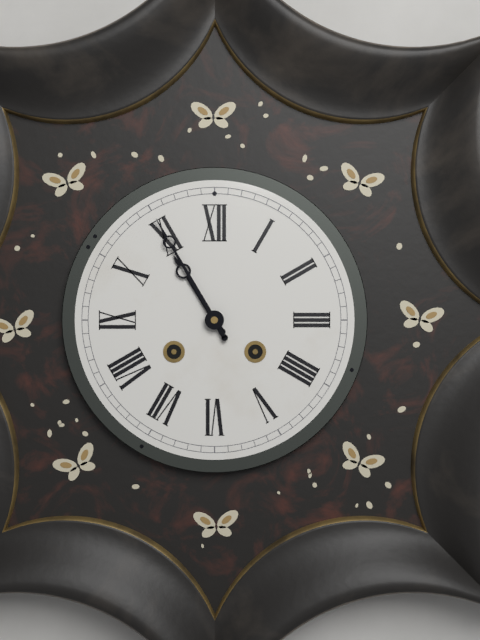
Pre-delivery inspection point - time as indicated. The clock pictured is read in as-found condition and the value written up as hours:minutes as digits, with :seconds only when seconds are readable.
10:55
